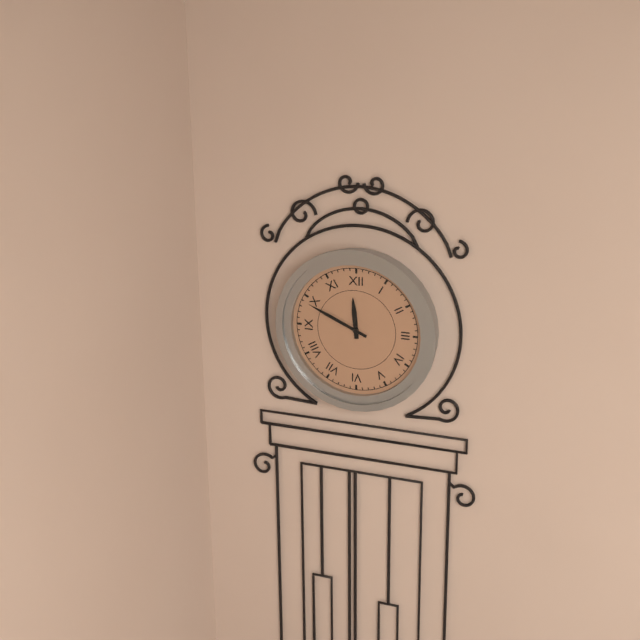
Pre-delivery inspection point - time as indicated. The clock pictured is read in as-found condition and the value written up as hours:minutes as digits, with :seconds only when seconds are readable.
11:49
